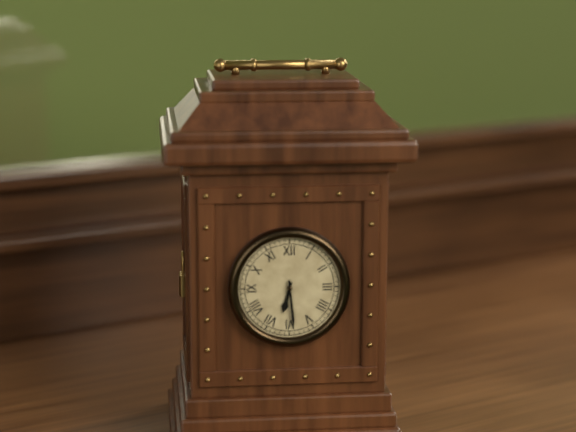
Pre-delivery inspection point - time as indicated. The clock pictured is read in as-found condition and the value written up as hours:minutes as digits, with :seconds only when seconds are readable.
6:29
